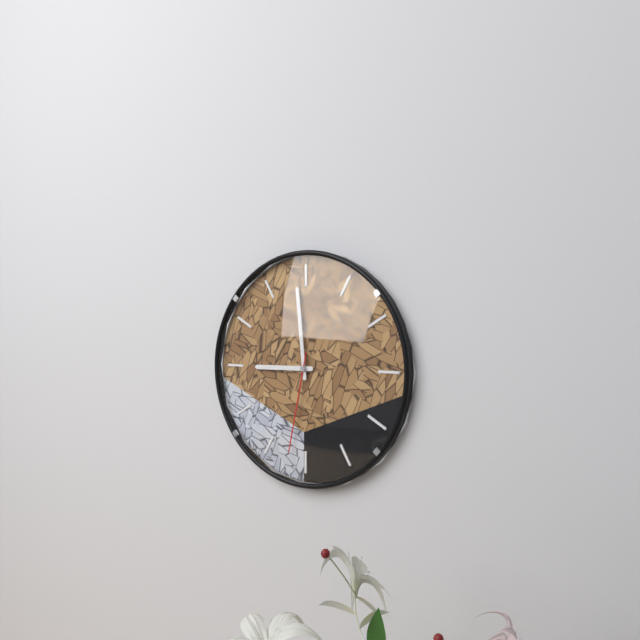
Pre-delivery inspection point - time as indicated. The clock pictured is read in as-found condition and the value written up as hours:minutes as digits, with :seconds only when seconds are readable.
8:59:32
